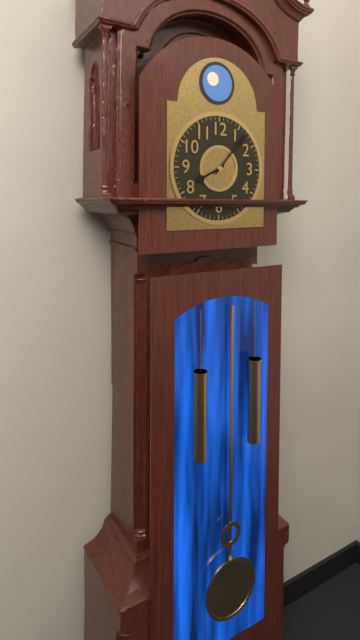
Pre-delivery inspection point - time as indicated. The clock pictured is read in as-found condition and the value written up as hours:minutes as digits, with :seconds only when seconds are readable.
8:07
